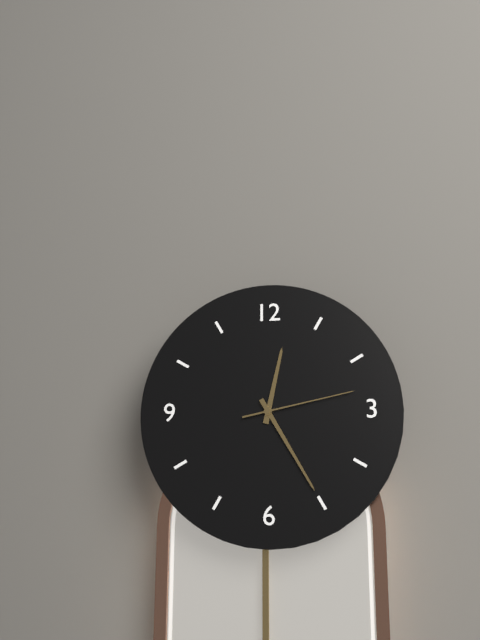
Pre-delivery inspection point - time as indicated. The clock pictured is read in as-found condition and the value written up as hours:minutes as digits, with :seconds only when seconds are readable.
12:25:13
